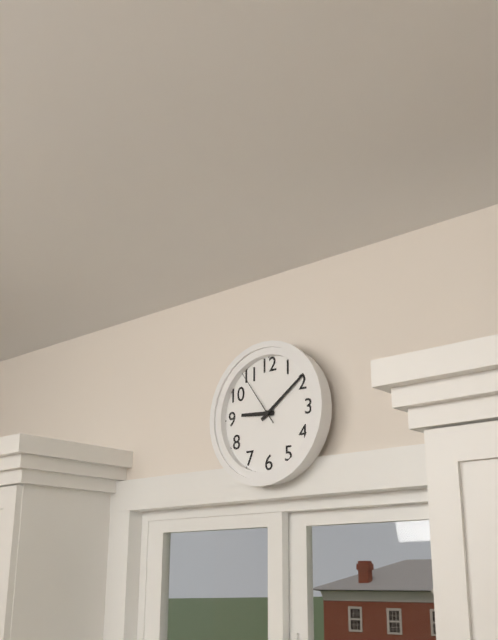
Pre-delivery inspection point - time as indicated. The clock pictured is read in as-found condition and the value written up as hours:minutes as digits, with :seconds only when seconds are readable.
9:09:54
